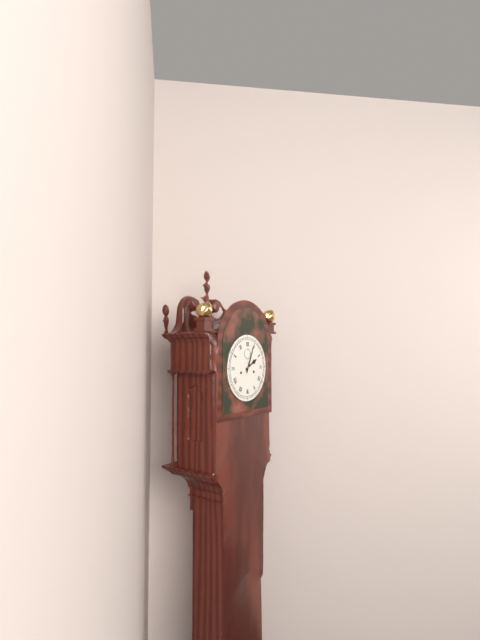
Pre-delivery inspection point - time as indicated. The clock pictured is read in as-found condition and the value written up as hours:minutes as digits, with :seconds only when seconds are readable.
2:04
